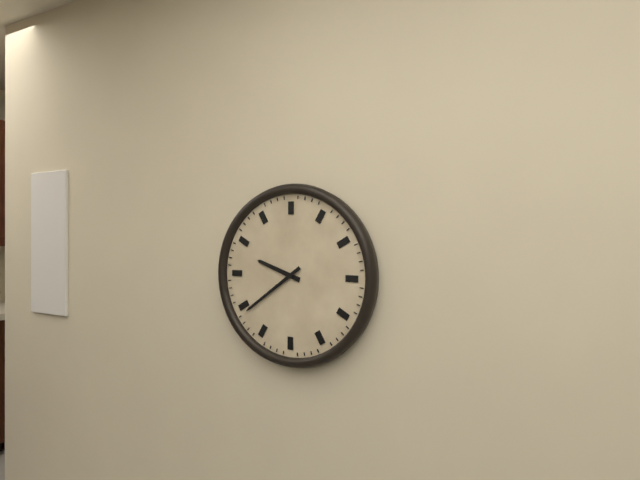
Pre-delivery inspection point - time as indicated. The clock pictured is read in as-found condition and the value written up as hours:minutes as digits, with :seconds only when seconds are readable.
9:39
